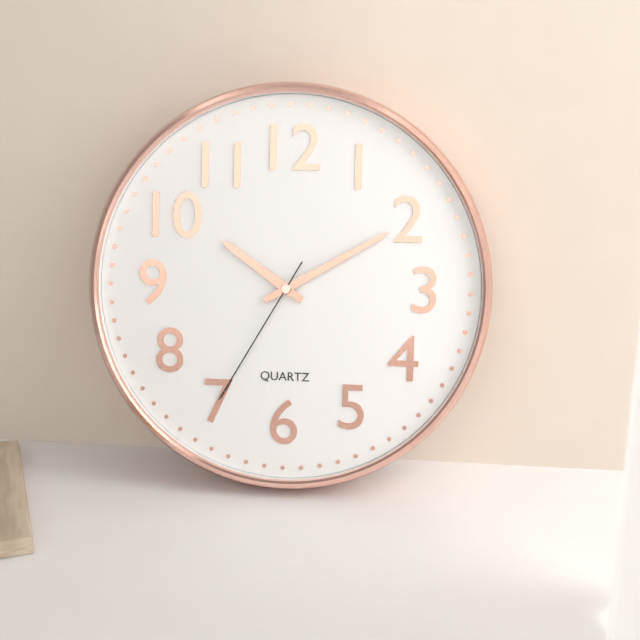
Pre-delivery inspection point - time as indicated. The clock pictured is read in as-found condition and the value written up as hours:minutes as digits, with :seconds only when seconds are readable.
10:10:35
